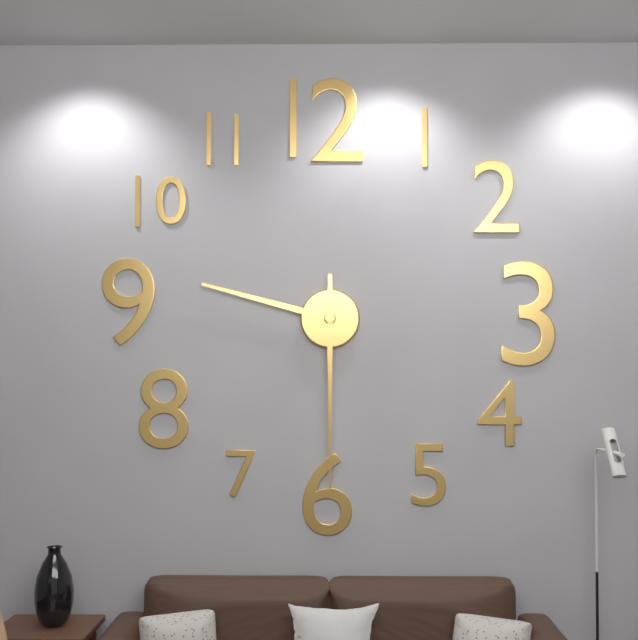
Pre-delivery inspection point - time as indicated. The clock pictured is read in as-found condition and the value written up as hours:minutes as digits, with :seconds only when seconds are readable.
9:30
